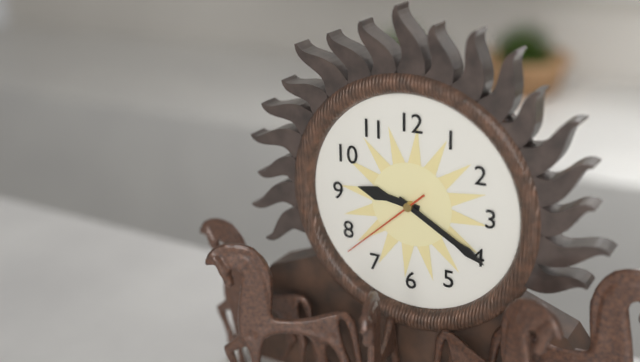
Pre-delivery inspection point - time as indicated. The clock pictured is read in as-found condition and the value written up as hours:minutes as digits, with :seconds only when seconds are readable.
9:20:38
